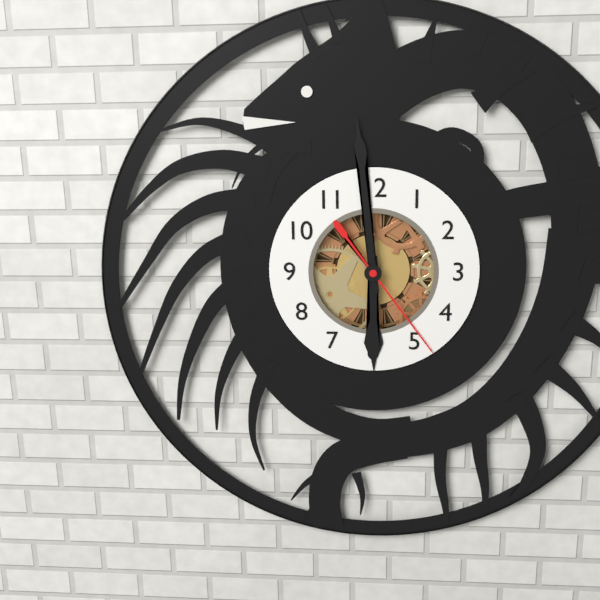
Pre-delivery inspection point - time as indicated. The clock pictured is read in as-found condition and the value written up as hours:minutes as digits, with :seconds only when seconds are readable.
5:59:24
